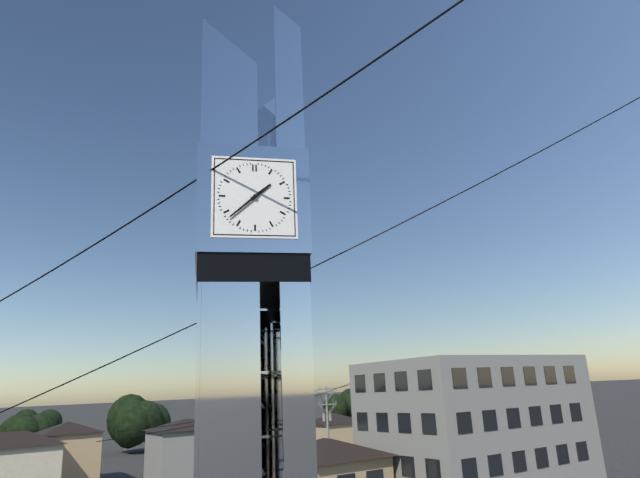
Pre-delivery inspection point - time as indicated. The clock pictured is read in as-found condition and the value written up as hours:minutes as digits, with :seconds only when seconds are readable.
1:38
